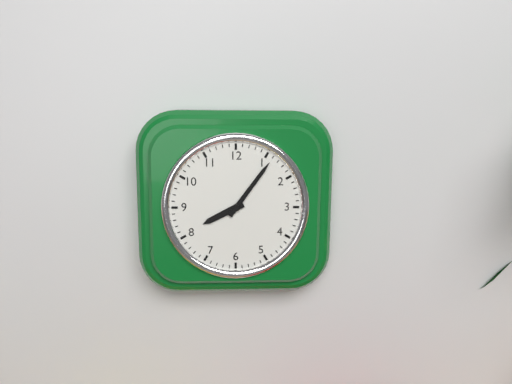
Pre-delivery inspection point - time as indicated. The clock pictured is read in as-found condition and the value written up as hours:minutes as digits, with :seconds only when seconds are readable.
8:06
